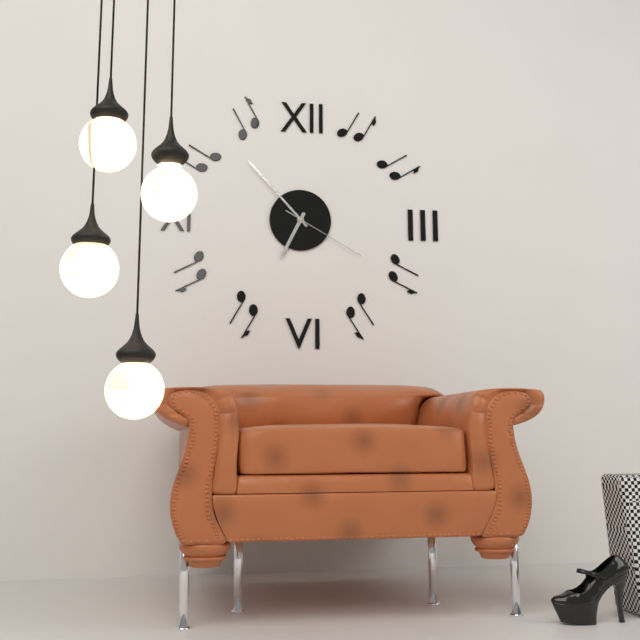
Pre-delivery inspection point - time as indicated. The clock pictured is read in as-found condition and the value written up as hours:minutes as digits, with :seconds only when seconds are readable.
6:53:20
